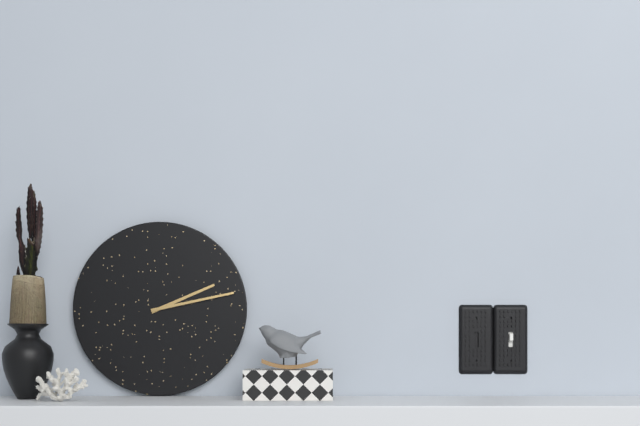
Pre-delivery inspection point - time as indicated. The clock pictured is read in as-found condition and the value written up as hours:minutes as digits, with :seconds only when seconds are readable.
2:13
